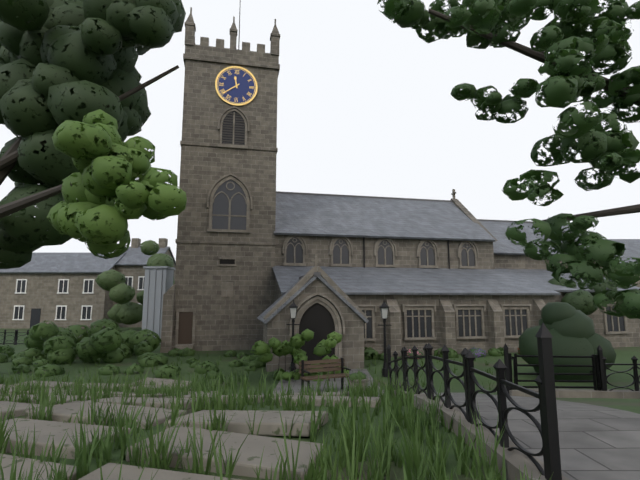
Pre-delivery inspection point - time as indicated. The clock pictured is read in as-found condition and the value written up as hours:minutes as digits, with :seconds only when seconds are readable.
11:39
